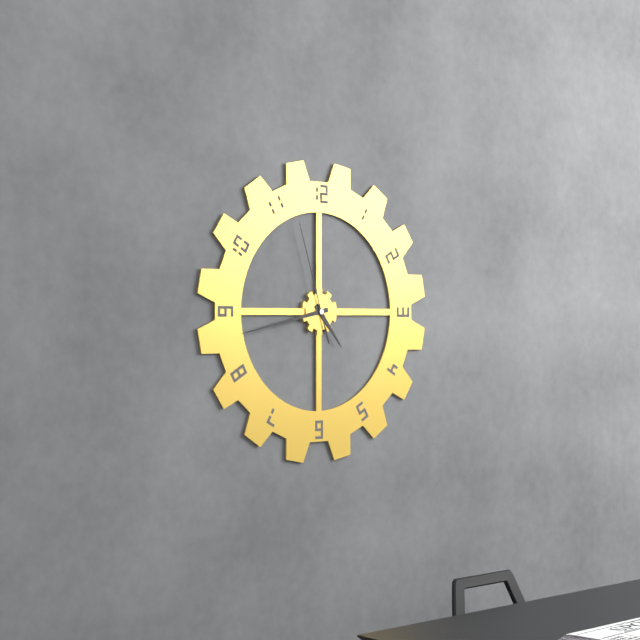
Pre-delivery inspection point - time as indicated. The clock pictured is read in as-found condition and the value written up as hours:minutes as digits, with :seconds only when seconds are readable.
4:43:57
